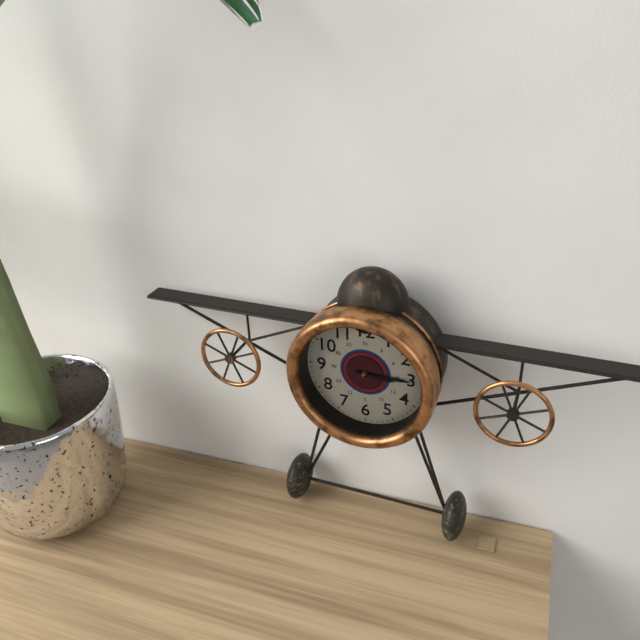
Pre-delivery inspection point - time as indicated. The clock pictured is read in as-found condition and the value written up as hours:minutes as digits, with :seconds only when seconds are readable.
3:15
